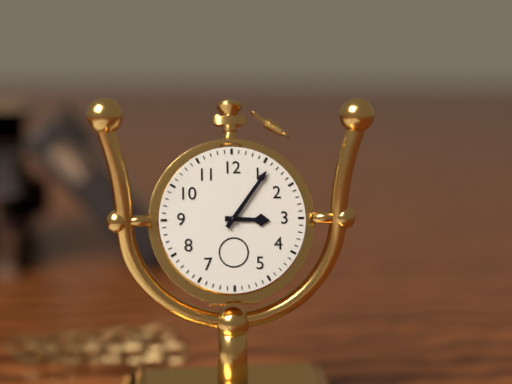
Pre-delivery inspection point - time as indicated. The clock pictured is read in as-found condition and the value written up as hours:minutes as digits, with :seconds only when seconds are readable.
3:06
